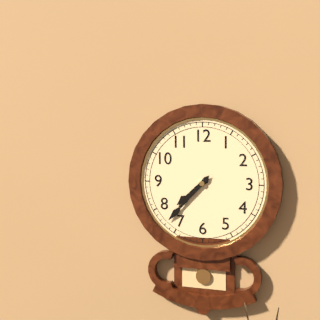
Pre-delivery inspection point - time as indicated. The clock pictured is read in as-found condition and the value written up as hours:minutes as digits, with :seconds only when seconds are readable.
7:37
